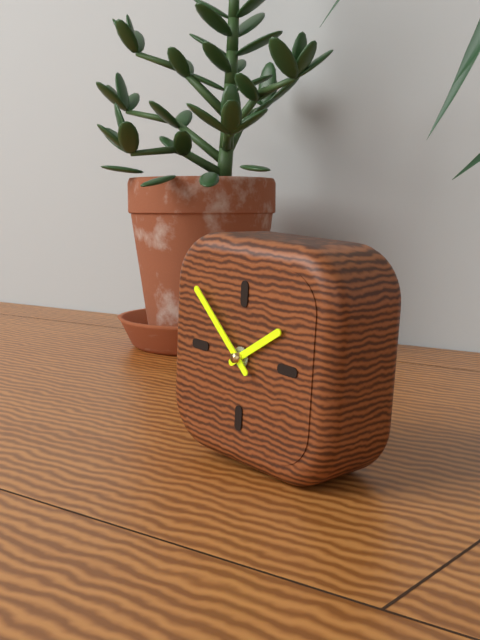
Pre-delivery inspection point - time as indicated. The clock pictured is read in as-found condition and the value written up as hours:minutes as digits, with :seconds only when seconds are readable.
1:52
